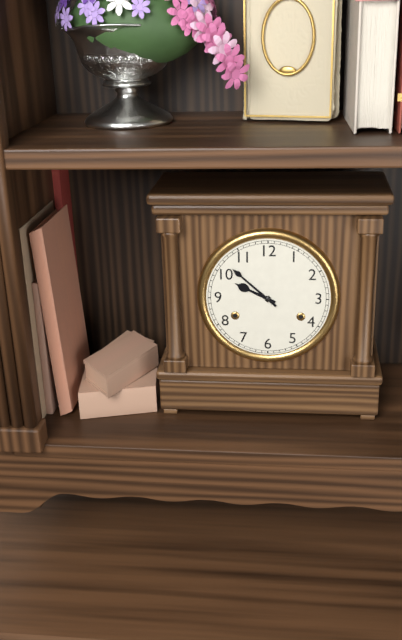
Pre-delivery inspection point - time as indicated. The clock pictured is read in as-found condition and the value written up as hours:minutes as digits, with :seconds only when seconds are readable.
9:52
